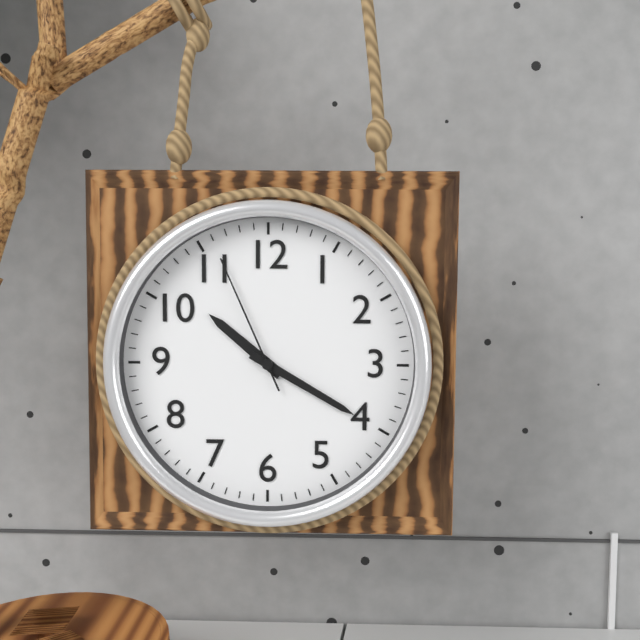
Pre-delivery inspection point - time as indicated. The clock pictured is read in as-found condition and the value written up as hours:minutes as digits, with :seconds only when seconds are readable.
10:20:56
